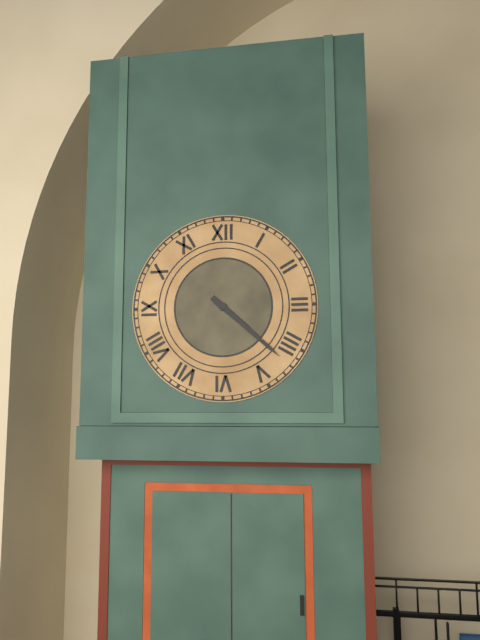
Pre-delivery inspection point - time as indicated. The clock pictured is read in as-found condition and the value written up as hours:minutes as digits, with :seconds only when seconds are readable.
4:22
